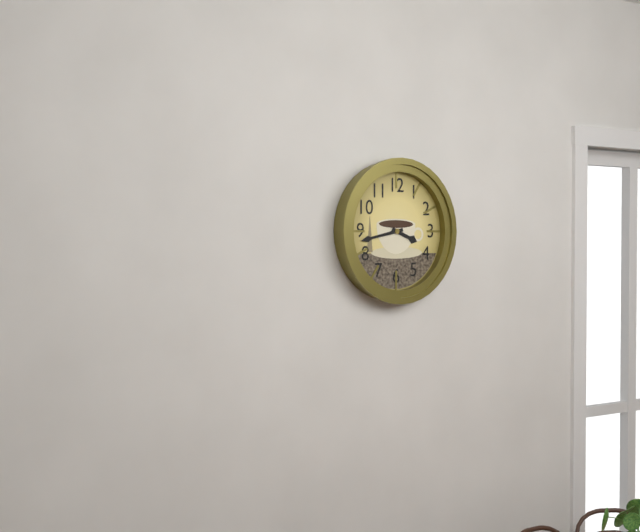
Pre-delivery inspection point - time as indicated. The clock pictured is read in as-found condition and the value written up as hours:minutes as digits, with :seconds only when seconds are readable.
3:43
